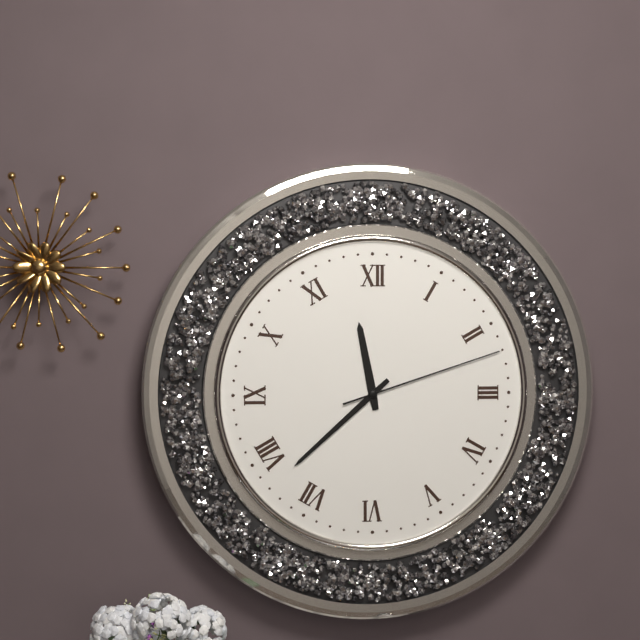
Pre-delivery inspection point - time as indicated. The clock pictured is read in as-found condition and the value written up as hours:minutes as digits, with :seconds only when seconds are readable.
11:38:12
